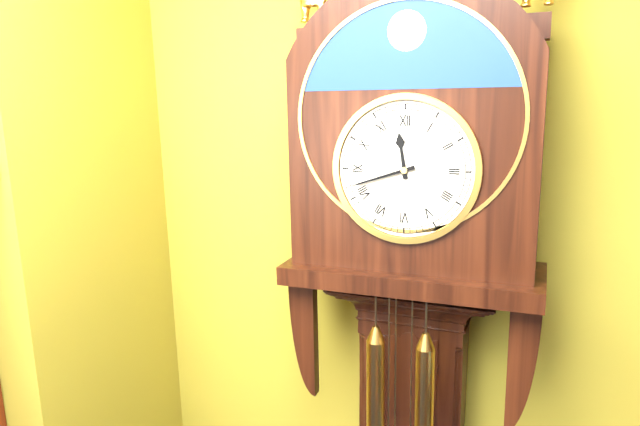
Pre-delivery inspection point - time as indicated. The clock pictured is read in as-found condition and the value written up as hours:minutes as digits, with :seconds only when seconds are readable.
11:42
